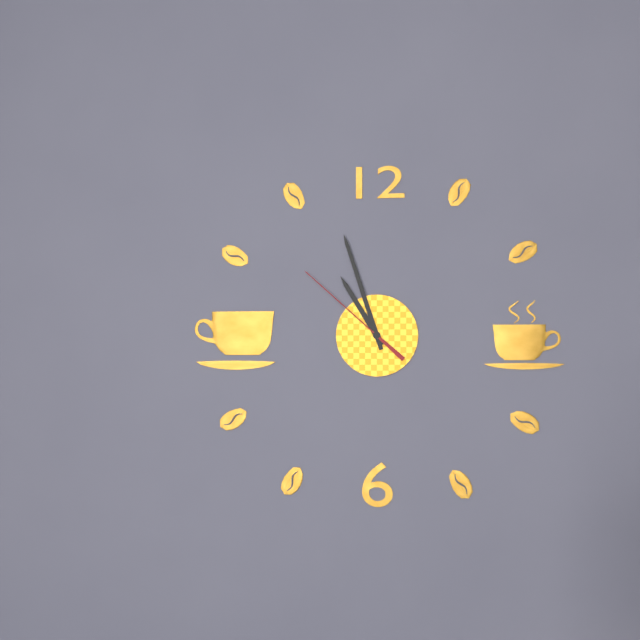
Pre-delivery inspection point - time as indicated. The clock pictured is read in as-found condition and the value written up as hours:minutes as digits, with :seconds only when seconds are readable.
10:57:52
